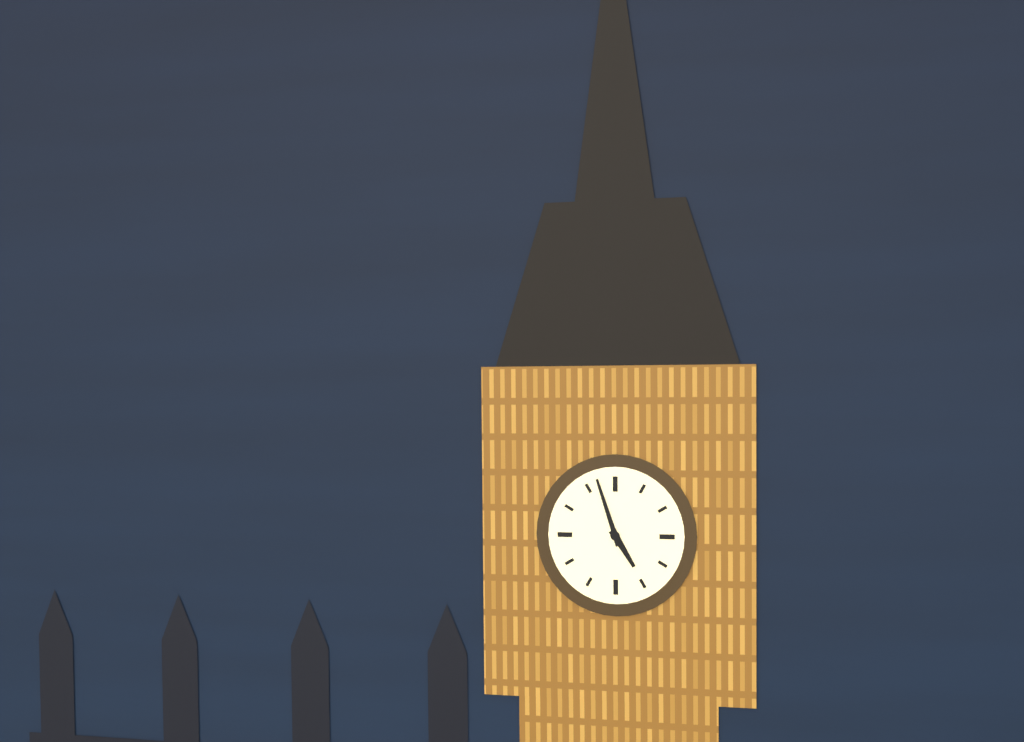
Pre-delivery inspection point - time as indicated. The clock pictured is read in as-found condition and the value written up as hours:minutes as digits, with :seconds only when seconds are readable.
4:57
